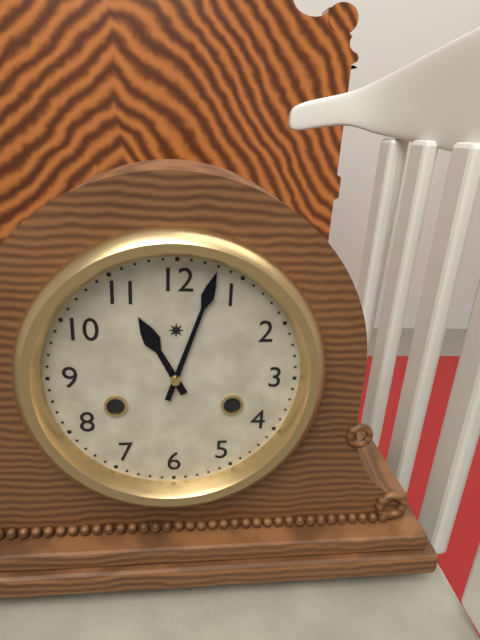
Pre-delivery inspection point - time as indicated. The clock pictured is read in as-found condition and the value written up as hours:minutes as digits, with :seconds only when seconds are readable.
11:03
